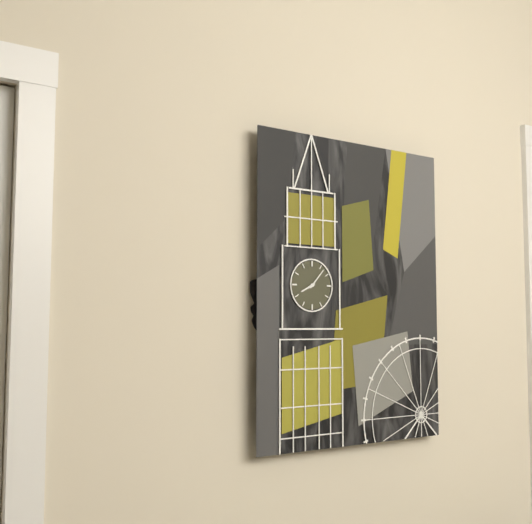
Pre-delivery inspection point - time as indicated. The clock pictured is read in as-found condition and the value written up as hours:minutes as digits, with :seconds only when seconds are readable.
8:07
